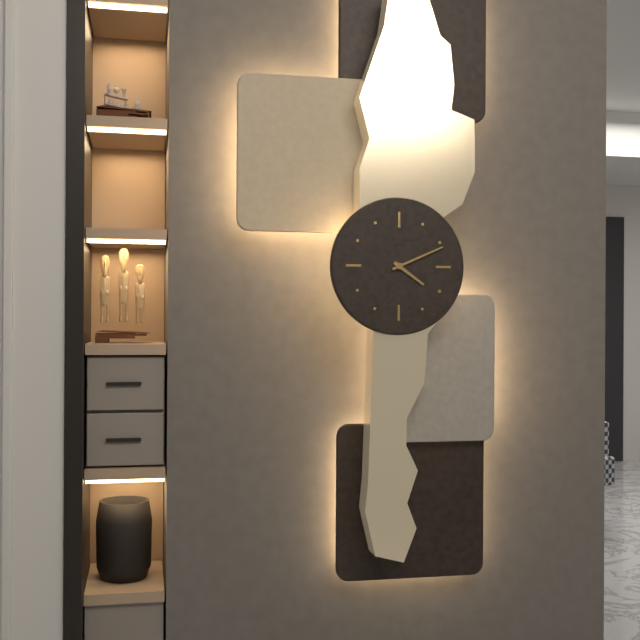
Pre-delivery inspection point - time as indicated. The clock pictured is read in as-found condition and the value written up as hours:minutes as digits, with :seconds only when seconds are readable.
4:11
